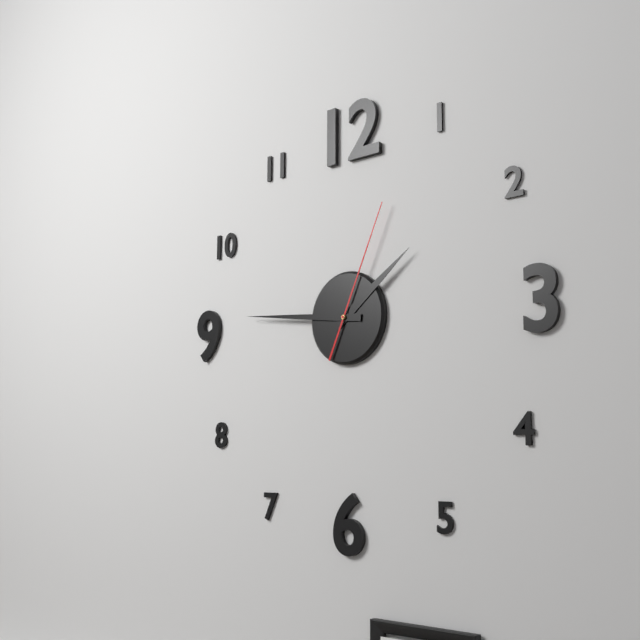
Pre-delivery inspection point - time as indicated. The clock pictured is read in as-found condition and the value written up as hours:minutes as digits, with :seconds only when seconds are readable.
1:46:04
